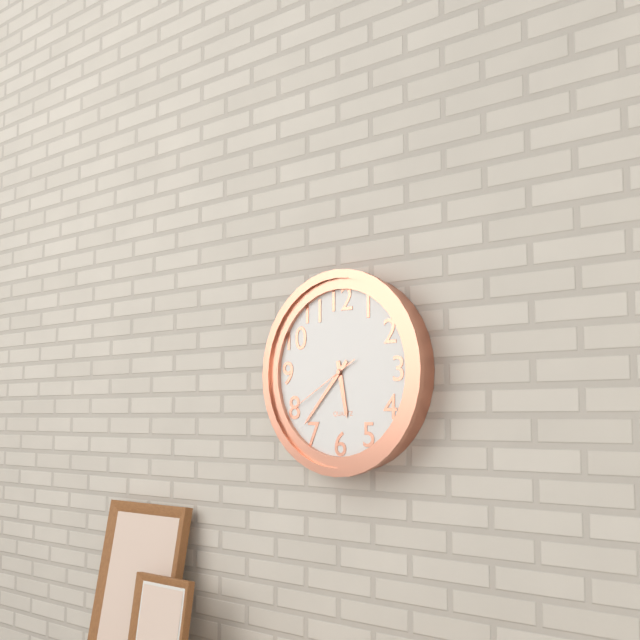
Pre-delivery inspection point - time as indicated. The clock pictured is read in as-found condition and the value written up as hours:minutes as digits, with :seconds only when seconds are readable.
5:37:40
